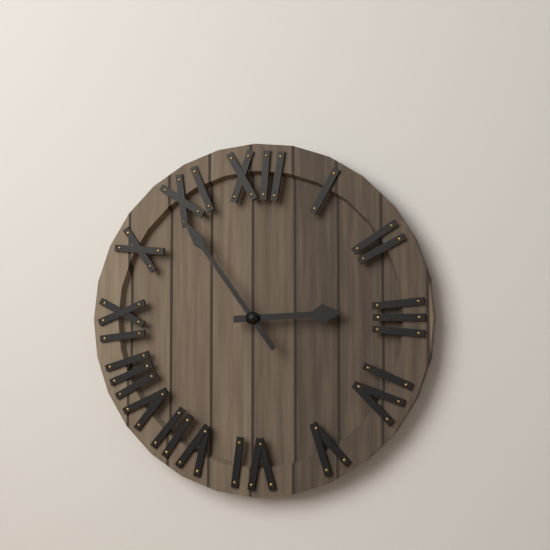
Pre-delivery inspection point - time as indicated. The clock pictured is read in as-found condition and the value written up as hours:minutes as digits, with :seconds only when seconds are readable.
2:54
